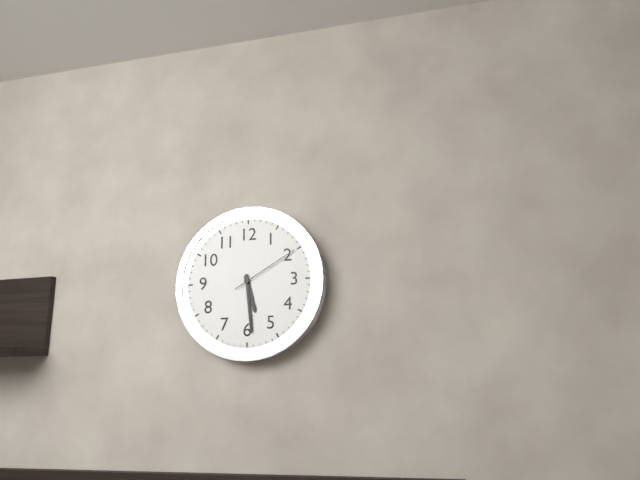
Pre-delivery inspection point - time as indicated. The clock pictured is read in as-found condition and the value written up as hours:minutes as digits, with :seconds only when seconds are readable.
5:29:10
